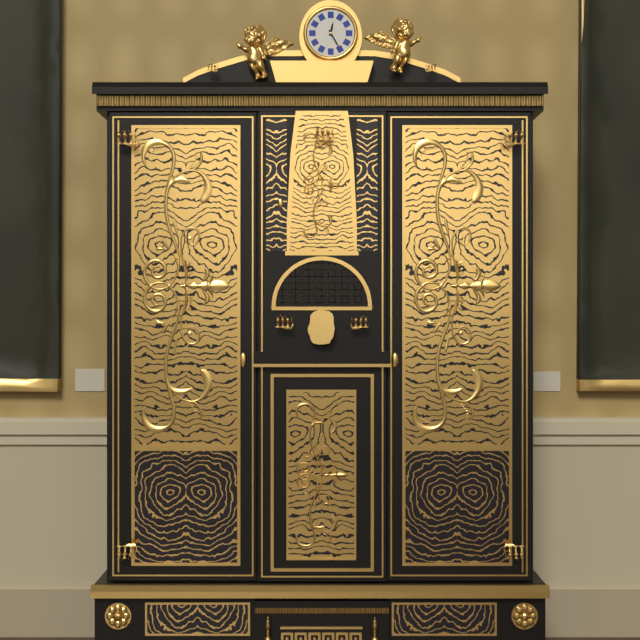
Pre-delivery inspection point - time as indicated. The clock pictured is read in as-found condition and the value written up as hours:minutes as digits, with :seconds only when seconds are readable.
12:25
